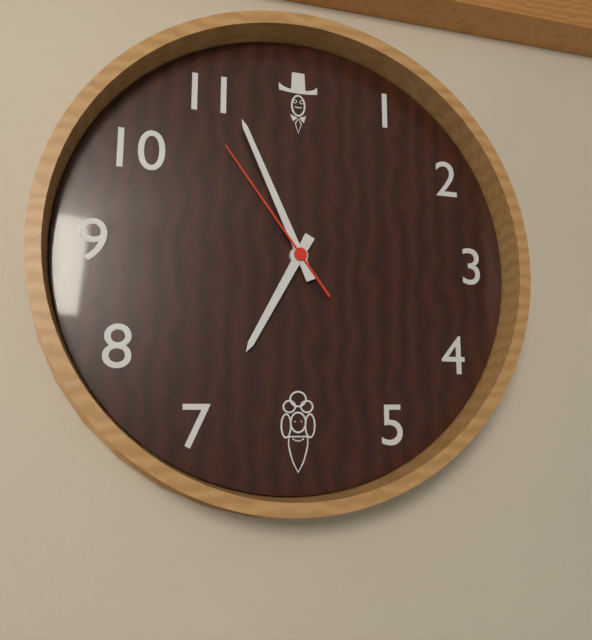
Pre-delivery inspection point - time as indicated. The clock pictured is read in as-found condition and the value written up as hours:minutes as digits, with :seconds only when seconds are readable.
6:56:54
